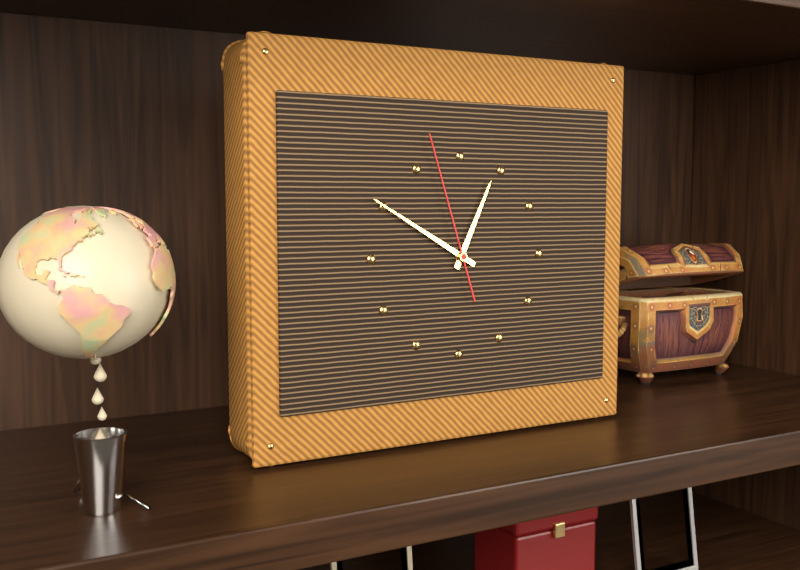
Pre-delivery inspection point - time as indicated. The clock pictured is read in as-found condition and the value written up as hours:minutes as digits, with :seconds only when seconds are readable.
12:50:57
